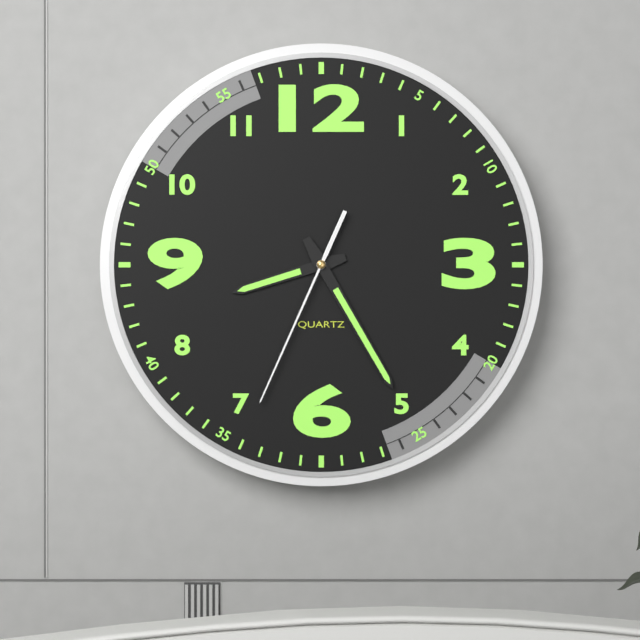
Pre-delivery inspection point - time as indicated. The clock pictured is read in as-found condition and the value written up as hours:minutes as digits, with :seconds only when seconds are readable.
8:25:34
